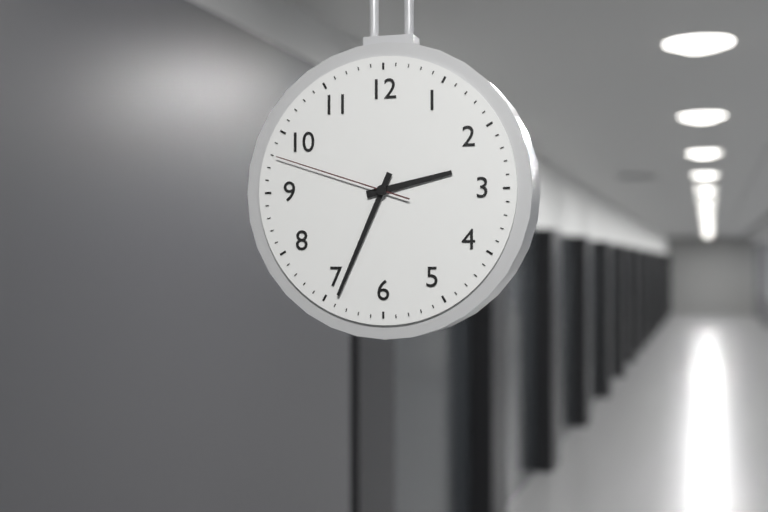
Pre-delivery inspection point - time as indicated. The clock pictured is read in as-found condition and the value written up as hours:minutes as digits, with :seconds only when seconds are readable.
2:34:48
